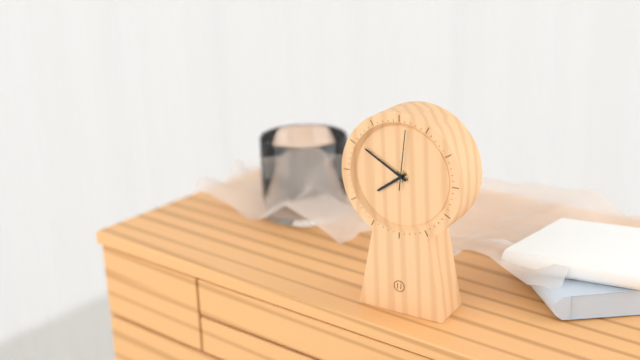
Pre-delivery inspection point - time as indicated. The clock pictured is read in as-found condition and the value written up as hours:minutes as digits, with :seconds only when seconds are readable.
7:50:01
